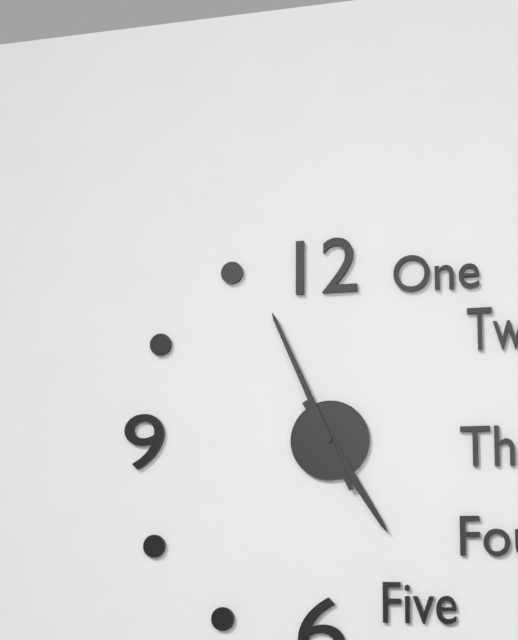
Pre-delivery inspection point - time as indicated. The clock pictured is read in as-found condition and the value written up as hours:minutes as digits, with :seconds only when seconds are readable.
4:56
